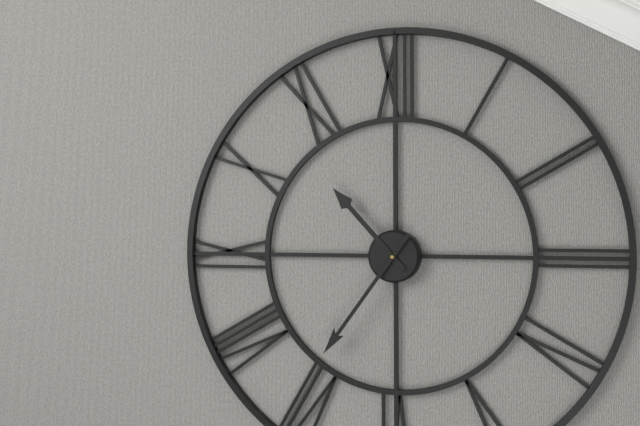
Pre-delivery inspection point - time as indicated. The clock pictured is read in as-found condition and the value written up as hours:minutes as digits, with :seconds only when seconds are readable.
10:36
